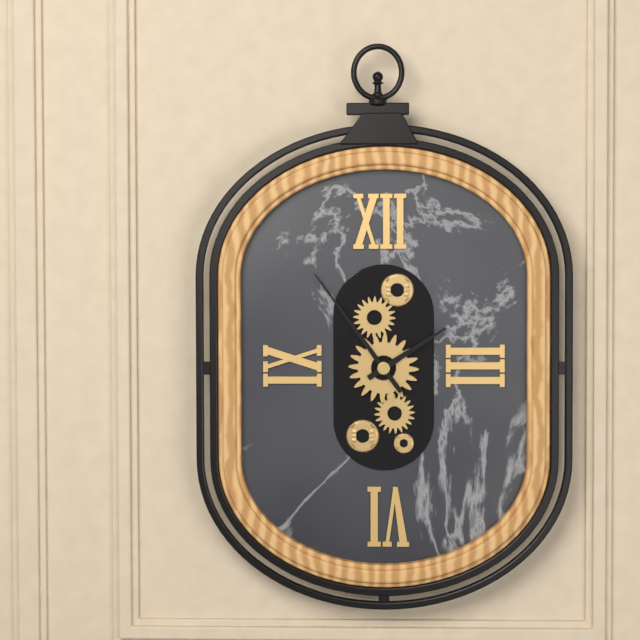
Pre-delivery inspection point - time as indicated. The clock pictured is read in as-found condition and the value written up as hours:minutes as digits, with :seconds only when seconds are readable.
1:54
